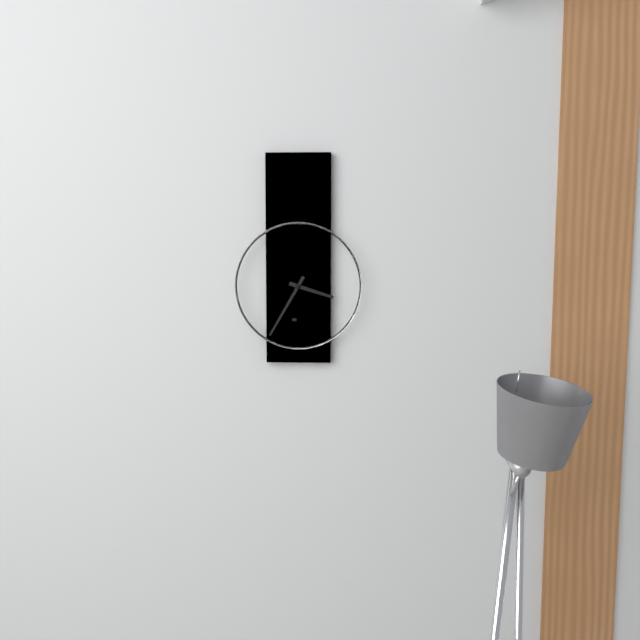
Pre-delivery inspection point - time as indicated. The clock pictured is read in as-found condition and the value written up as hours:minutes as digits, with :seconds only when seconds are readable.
3:35
